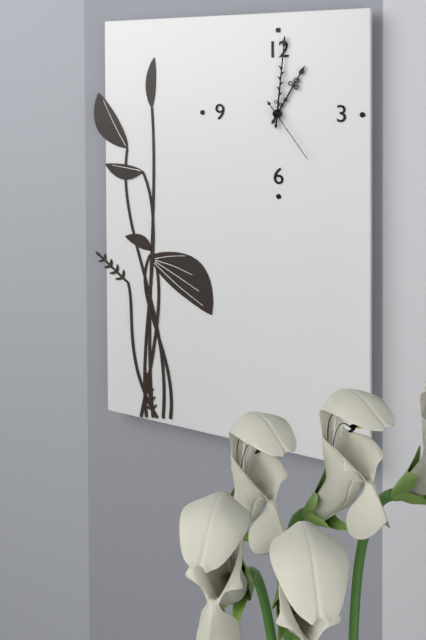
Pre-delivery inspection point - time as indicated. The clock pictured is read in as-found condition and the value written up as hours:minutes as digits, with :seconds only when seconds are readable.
1:01:24
